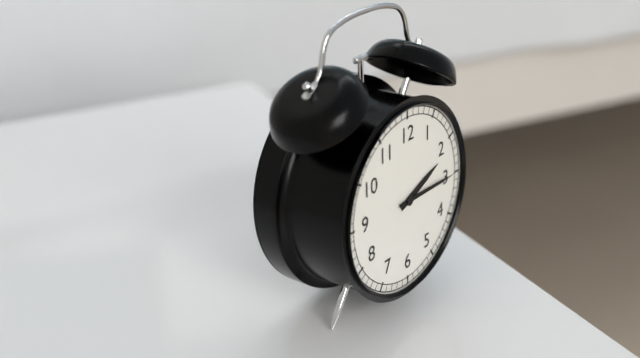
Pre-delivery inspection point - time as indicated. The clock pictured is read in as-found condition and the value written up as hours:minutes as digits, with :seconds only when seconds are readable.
2:15
